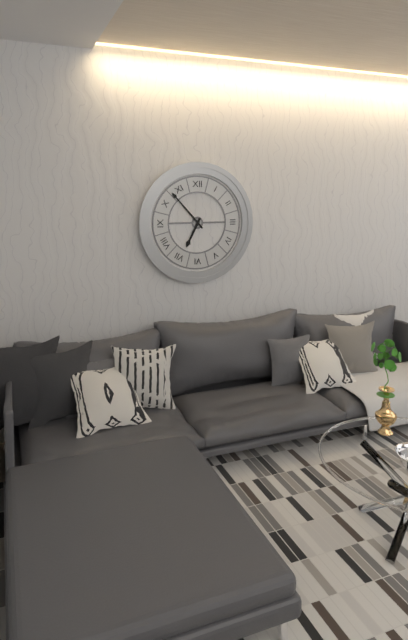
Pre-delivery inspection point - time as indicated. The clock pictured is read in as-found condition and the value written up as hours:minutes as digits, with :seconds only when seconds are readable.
6:53
